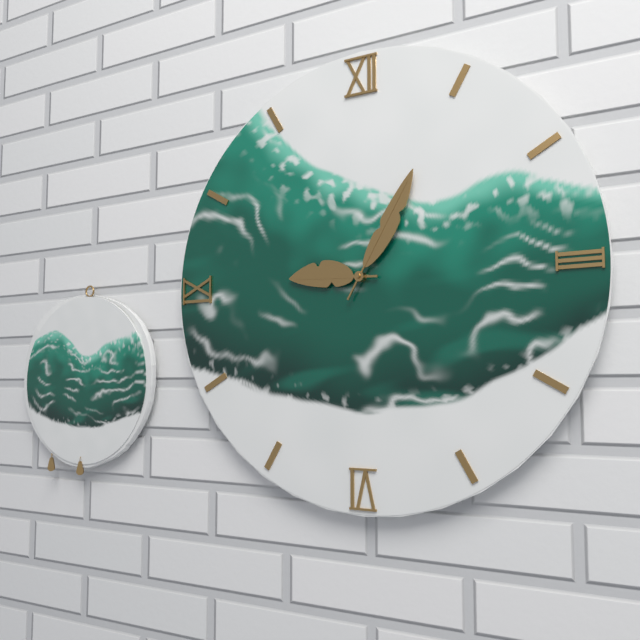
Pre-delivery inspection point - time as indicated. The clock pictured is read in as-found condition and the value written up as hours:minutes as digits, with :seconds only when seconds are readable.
9:05
